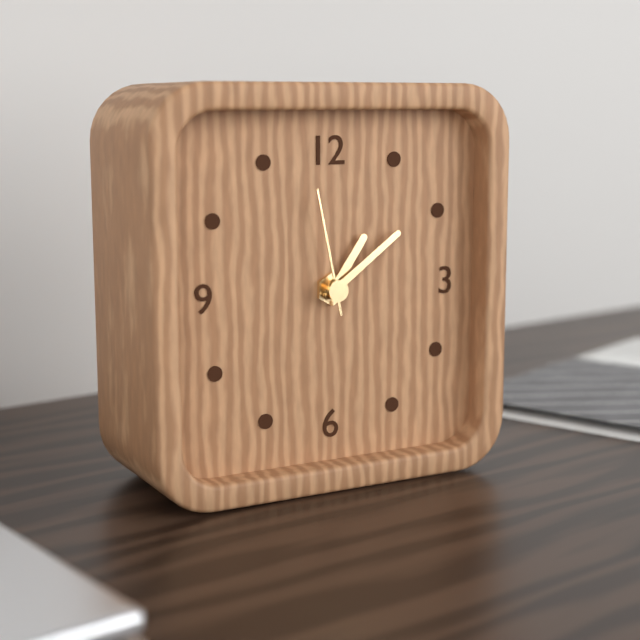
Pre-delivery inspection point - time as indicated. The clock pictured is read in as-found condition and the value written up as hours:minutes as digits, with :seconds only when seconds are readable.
1:09:58
